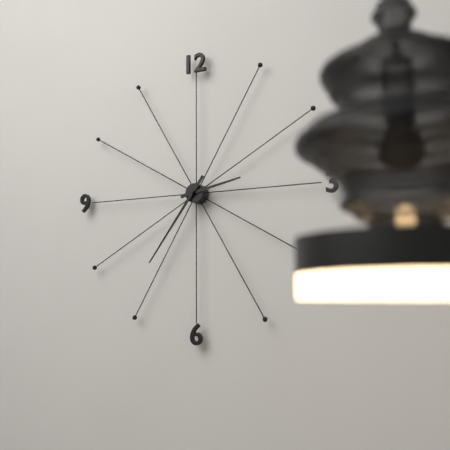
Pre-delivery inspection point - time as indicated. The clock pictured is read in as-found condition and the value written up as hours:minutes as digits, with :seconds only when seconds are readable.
2:36
